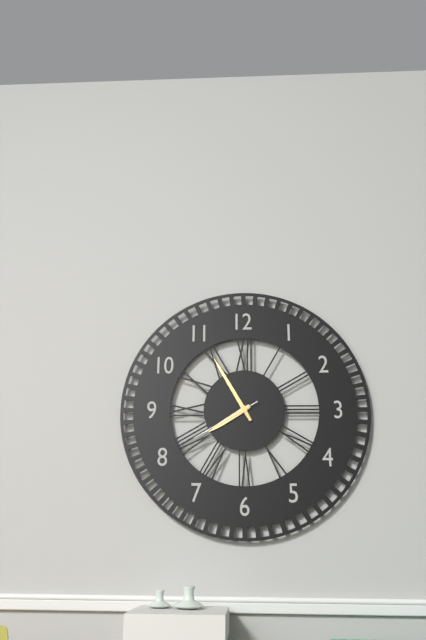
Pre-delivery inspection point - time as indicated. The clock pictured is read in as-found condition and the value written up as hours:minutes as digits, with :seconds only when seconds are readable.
7:55:40
